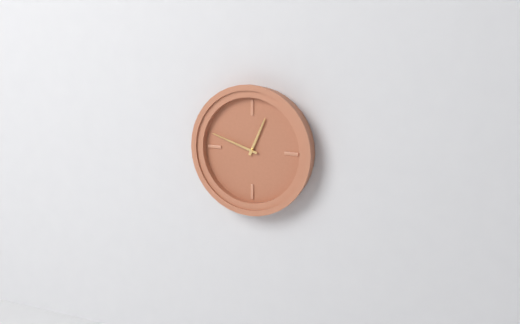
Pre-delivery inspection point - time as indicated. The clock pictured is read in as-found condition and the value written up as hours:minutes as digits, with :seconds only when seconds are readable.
12:48
